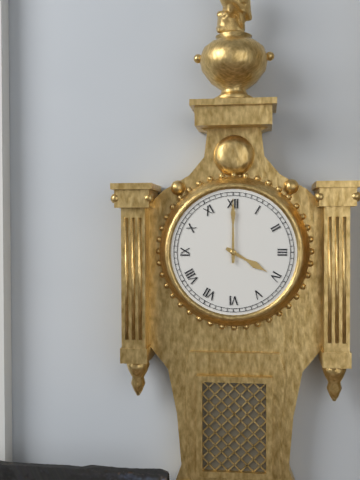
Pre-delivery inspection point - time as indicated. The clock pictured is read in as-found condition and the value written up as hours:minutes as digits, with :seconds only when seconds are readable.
4:00
